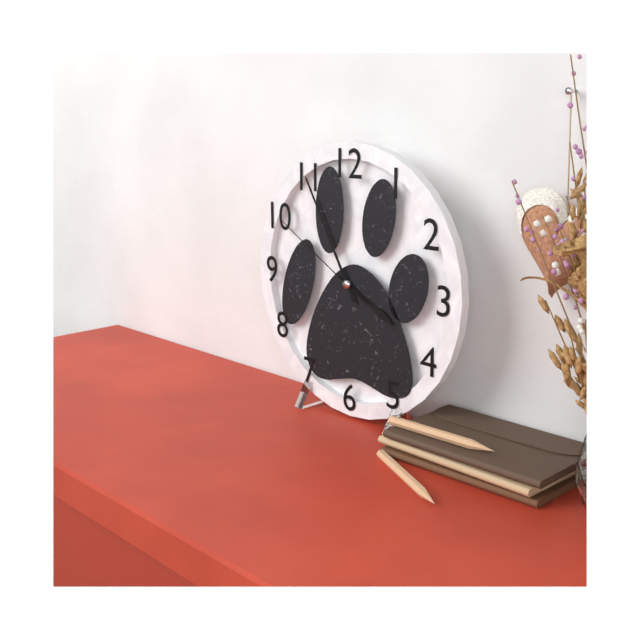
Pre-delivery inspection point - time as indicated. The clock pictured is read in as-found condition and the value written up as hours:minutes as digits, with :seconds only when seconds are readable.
3:55:50
